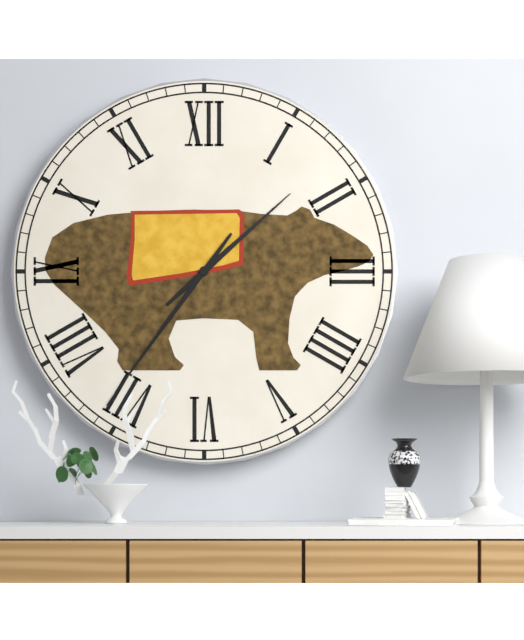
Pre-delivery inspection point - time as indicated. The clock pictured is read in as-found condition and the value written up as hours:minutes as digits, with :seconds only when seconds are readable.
1:36
